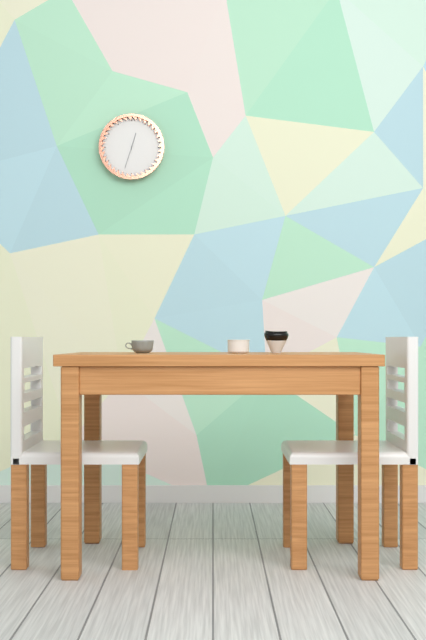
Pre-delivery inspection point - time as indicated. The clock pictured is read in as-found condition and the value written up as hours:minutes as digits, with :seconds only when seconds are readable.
12:33
